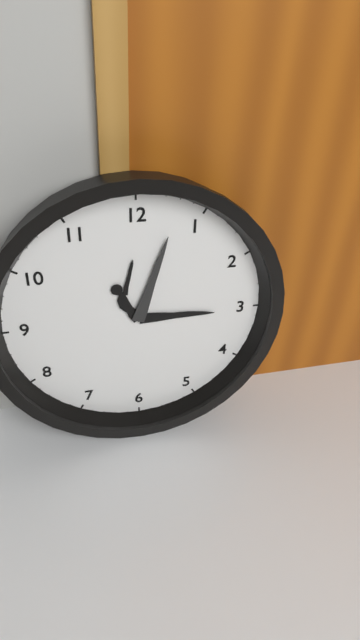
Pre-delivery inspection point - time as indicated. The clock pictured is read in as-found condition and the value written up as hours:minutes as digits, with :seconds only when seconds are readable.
3:03
